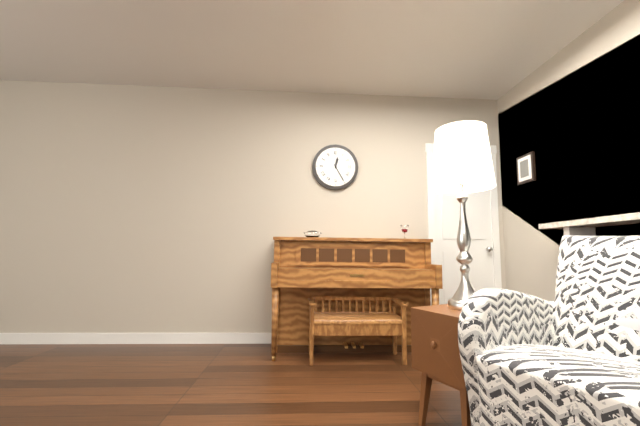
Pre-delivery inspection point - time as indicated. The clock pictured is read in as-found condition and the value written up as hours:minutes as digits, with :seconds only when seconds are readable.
12:25
